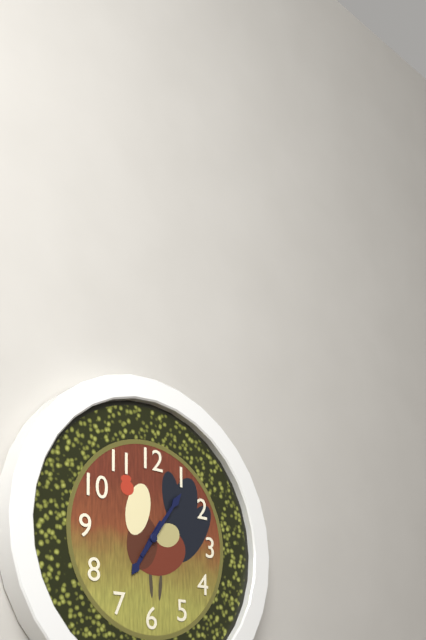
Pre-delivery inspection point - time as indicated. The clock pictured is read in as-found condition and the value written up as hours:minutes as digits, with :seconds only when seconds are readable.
7:06
